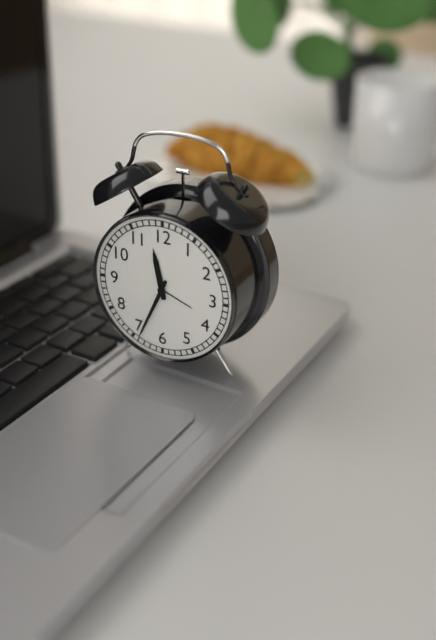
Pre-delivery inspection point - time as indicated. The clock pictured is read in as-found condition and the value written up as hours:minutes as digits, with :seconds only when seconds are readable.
11:34
